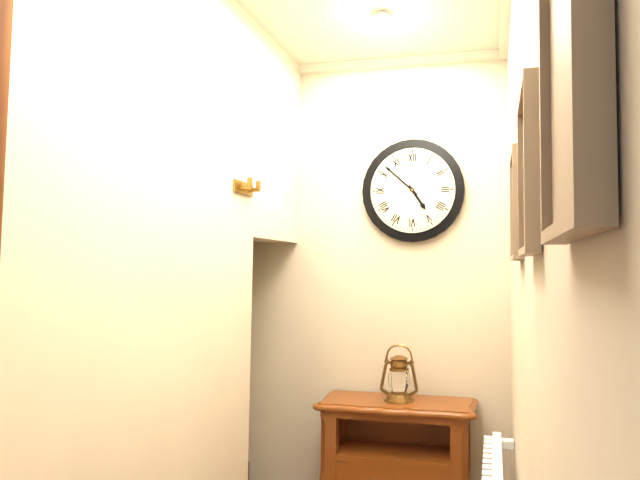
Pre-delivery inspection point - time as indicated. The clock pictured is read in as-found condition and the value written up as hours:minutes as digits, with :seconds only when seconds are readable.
4:52
